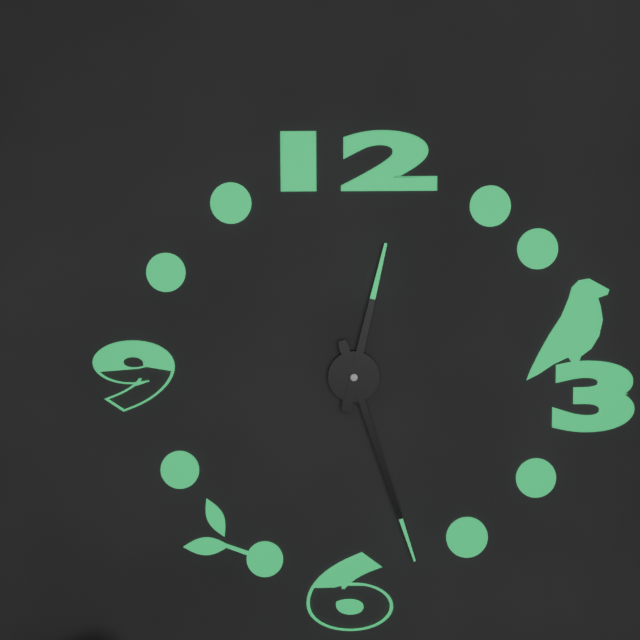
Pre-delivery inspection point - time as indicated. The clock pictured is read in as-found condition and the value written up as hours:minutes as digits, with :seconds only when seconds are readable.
12:27
